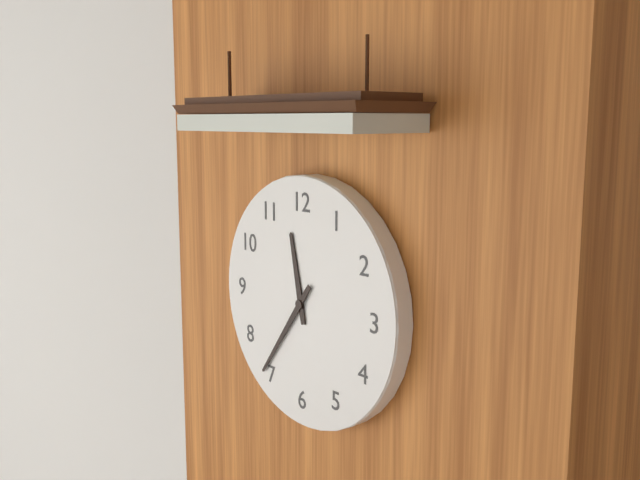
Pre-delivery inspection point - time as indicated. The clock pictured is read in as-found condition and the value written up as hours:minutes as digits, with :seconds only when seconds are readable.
11:36
